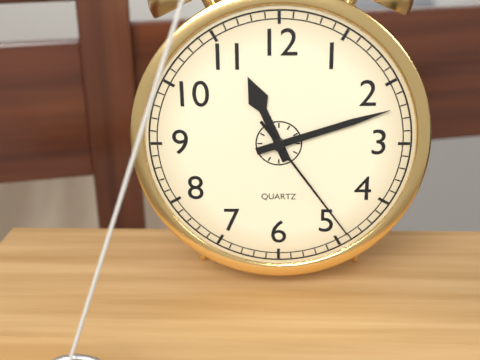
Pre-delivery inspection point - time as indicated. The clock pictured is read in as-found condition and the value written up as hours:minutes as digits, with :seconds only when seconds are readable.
11:12:24
